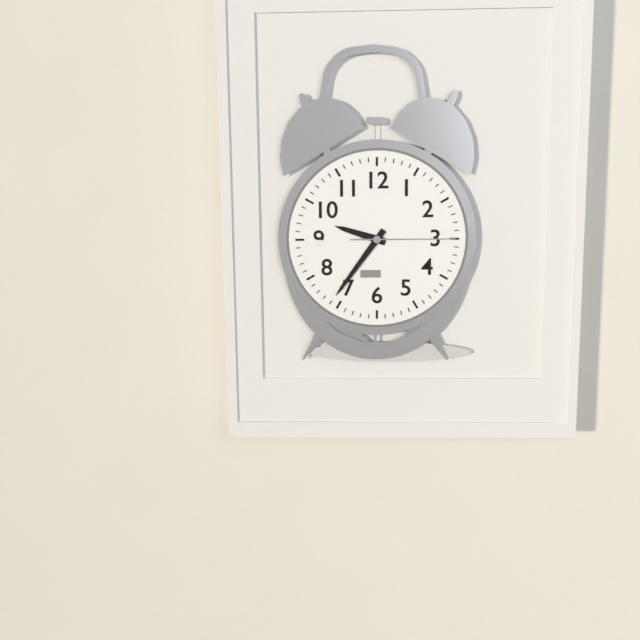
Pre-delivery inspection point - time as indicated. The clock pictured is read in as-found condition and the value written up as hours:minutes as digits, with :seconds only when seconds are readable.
9:36:15
